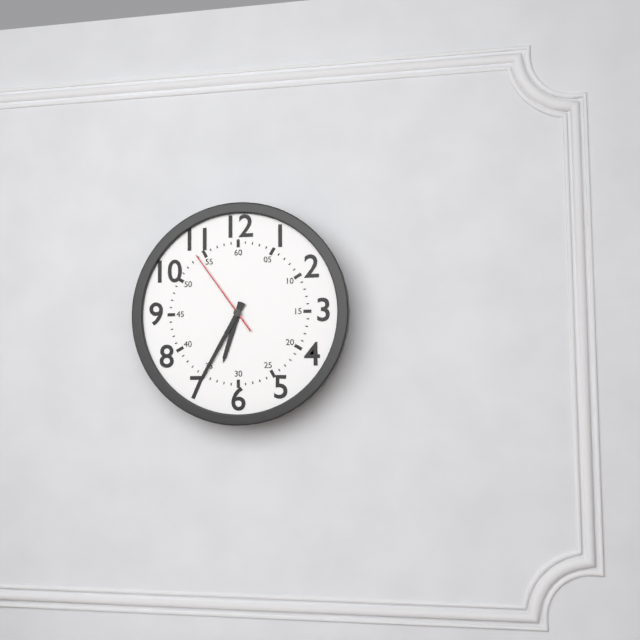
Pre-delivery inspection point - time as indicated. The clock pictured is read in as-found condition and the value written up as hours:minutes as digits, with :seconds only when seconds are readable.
6:35:54
